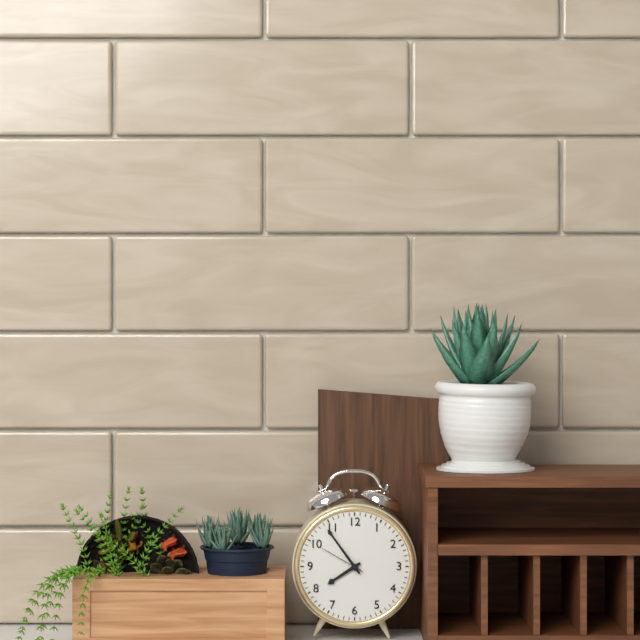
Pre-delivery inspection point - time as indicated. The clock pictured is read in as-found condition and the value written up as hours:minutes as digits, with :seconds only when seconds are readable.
7:54
